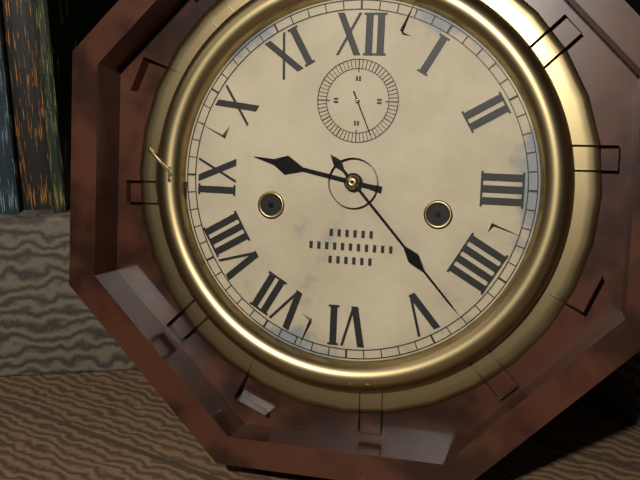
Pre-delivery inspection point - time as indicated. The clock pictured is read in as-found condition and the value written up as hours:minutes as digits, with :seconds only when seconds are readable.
9:23
